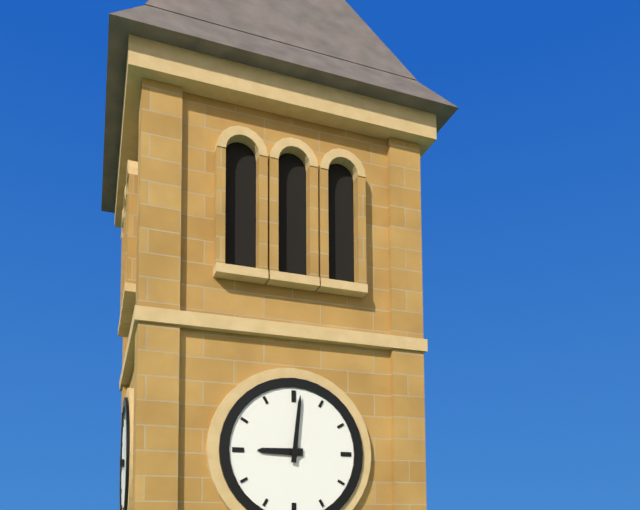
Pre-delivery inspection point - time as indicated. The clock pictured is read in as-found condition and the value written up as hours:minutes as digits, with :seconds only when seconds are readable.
9:01
